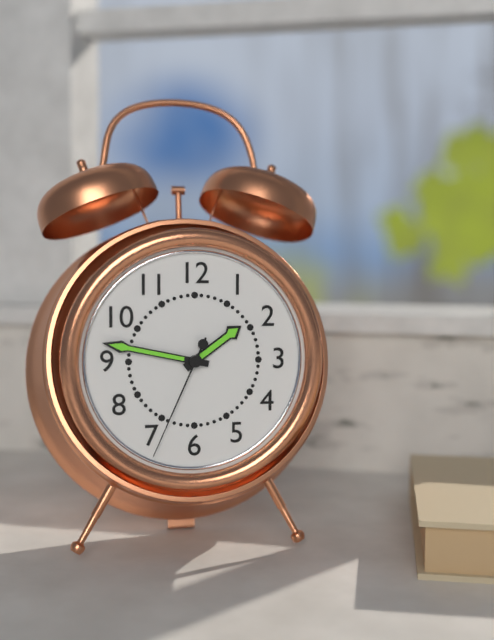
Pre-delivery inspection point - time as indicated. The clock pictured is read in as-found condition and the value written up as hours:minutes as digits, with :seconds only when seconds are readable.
1:47:34
